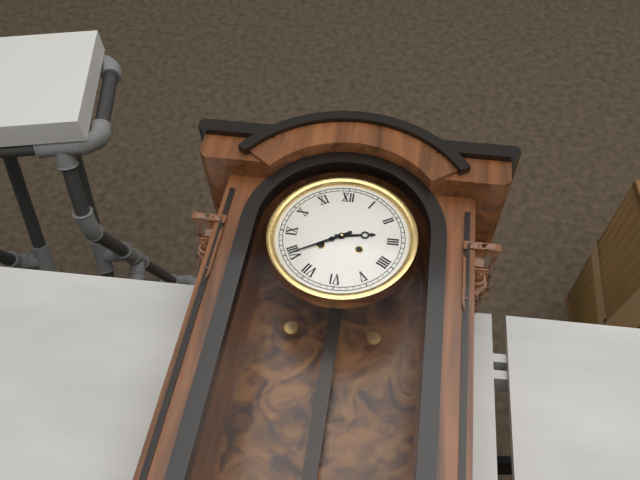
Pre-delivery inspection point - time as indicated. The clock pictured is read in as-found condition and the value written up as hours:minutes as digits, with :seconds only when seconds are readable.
2:40
